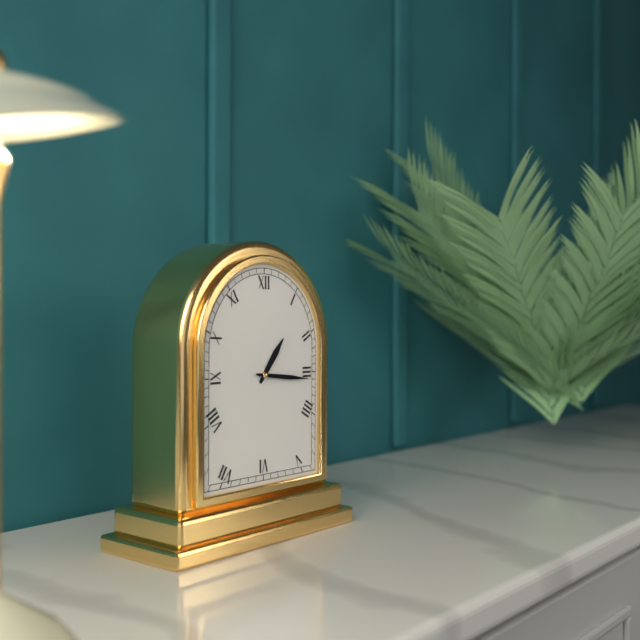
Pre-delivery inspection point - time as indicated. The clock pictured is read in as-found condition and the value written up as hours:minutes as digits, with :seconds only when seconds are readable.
1:16
